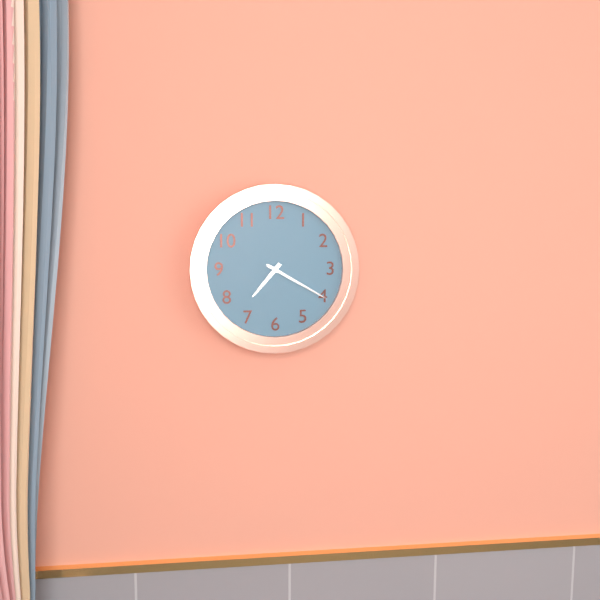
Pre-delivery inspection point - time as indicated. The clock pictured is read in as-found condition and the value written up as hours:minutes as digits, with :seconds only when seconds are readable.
7:20
